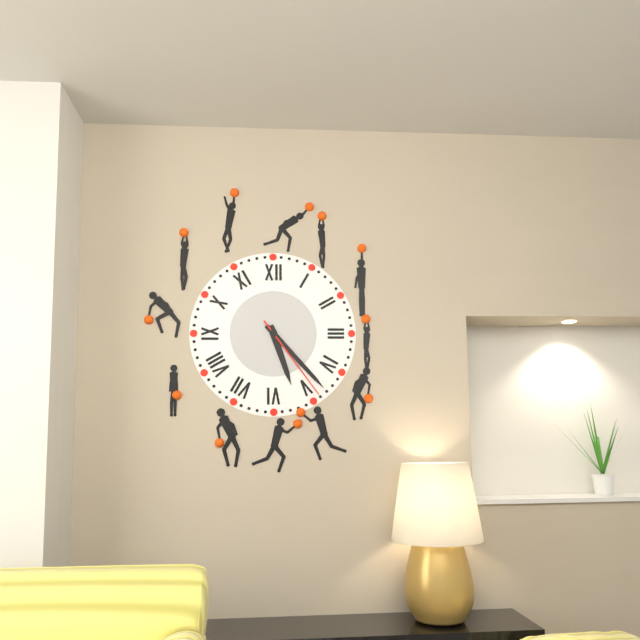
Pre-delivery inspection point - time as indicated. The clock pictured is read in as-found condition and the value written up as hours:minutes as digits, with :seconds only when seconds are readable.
5:23:24
